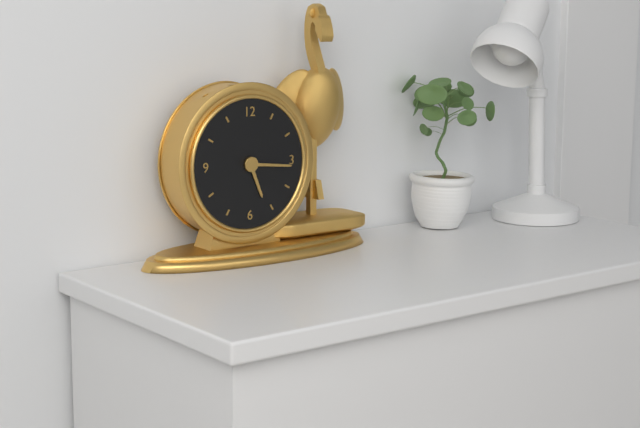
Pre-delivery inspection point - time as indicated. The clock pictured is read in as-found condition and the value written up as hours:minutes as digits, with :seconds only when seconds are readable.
5:16
